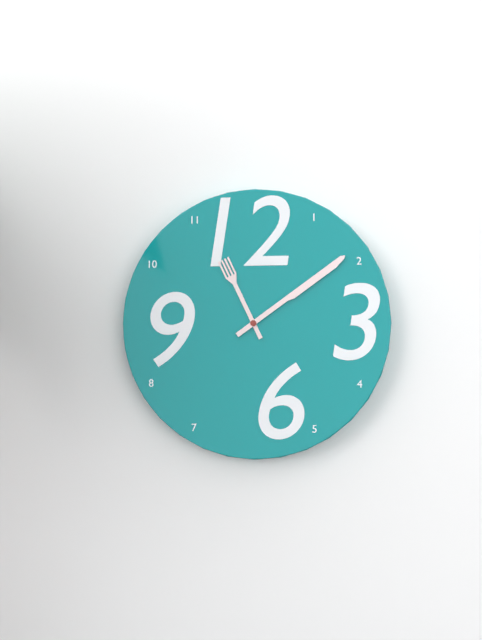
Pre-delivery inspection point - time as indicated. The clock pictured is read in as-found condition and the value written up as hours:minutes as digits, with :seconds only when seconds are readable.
11:09
